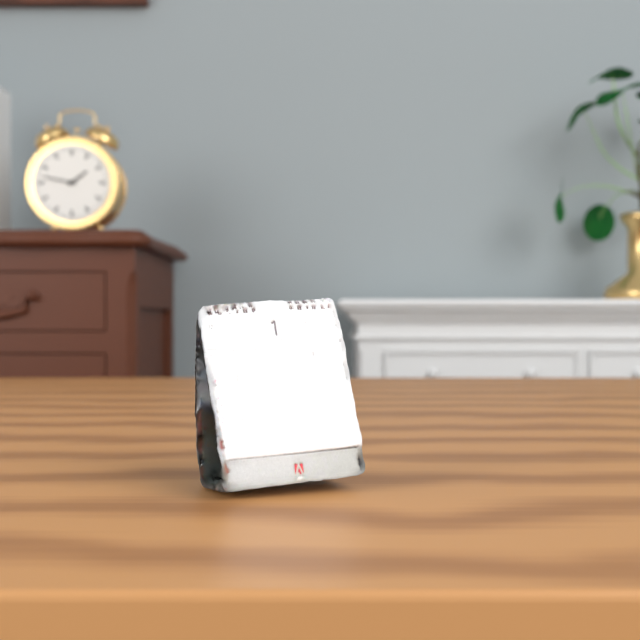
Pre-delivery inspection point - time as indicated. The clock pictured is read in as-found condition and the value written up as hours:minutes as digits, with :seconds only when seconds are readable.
1:47
